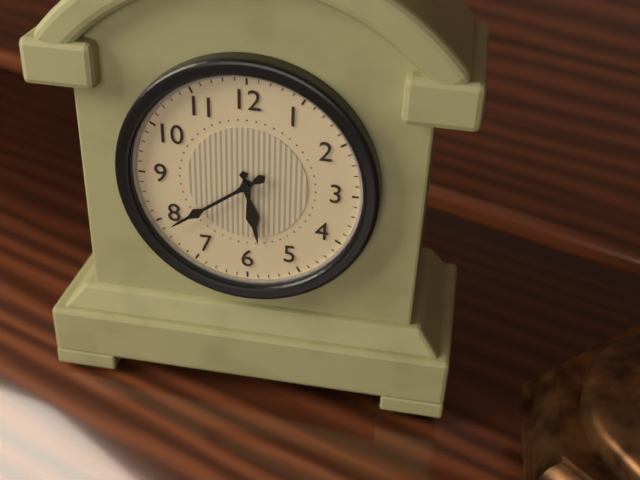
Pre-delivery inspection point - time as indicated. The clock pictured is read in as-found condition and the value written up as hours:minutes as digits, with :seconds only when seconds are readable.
5:39
